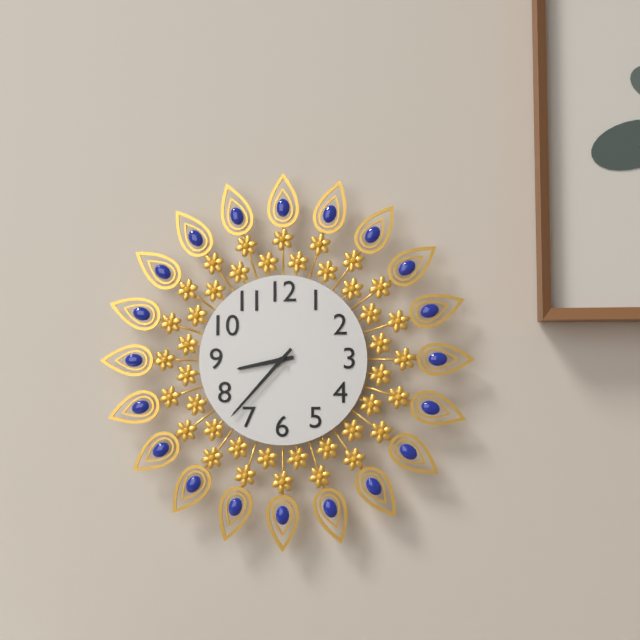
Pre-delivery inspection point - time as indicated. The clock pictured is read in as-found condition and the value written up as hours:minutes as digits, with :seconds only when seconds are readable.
8:37
